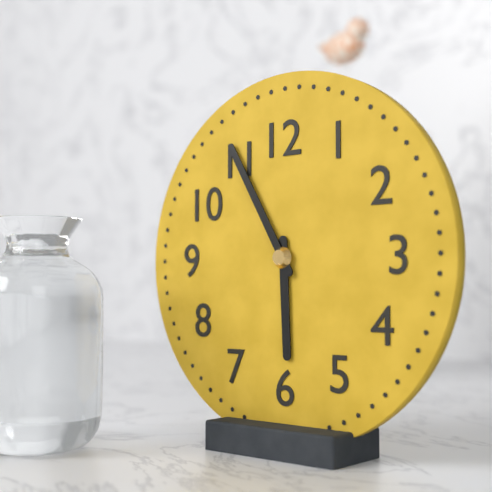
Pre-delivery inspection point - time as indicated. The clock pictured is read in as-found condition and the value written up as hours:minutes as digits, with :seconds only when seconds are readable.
5:55
